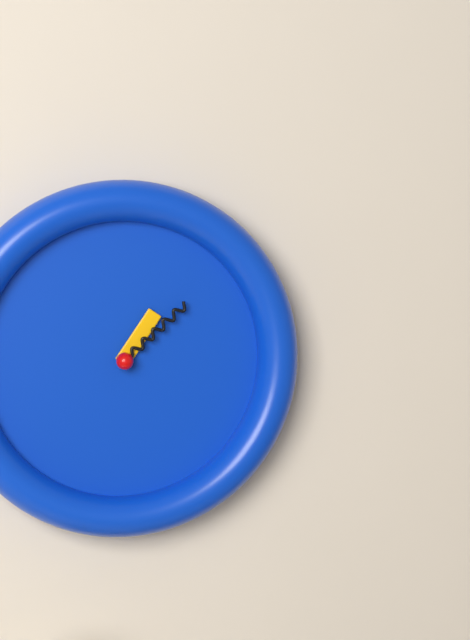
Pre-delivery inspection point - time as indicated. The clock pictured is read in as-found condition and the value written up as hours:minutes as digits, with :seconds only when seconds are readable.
1:08
